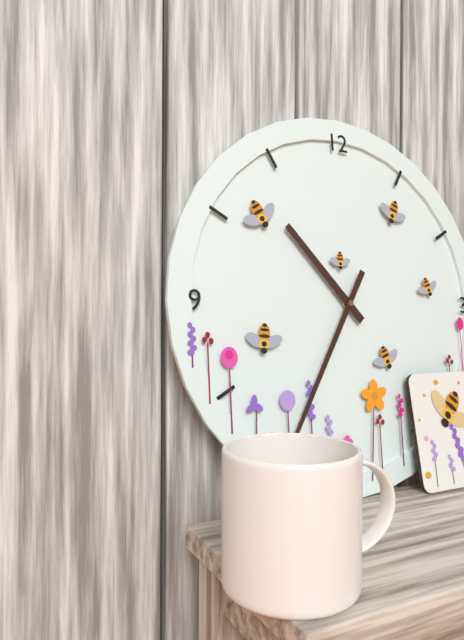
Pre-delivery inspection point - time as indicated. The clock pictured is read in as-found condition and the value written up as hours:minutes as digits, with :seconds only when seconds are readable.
10:35
